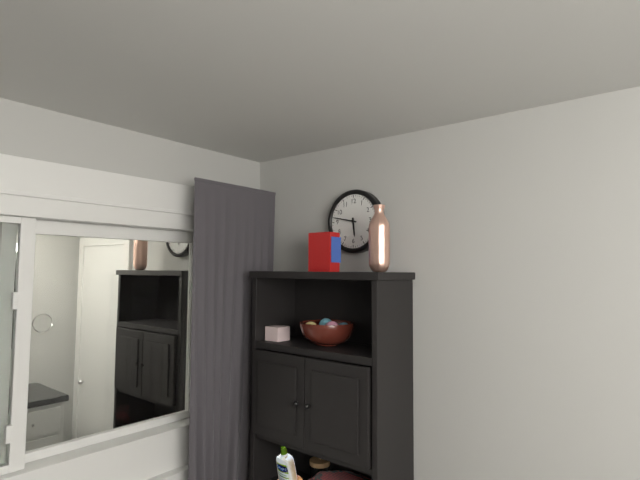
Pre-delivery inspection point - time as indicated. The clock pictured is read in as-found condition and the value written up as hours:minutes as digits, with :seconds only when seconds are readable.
5:47
